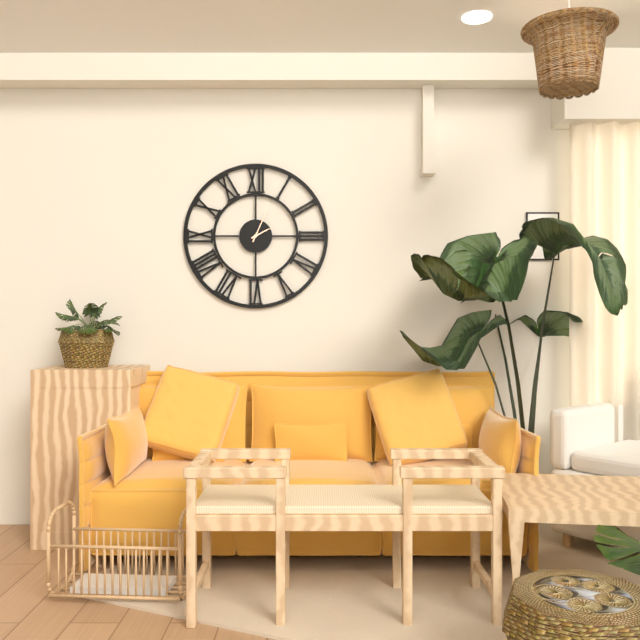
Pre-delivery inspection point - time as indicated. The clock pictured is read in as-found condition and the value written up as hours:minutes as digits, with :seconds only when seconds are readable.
2:04
